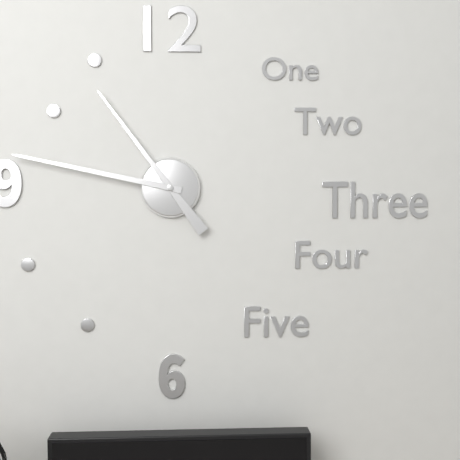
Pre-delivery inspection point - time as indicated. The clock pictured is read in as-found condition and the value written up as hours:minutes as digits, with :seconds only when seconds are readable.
10:47
